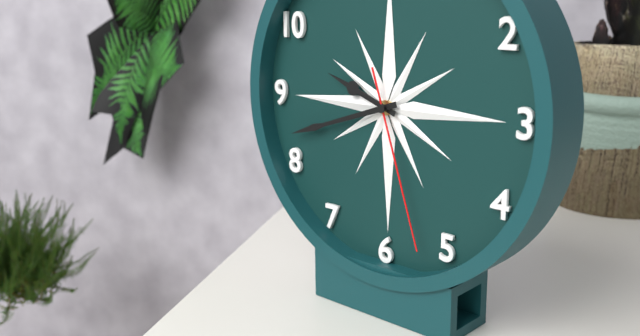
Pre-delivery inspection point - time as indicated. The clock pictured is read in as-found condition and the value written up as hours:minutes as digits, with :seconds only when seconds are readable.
9:42:27
